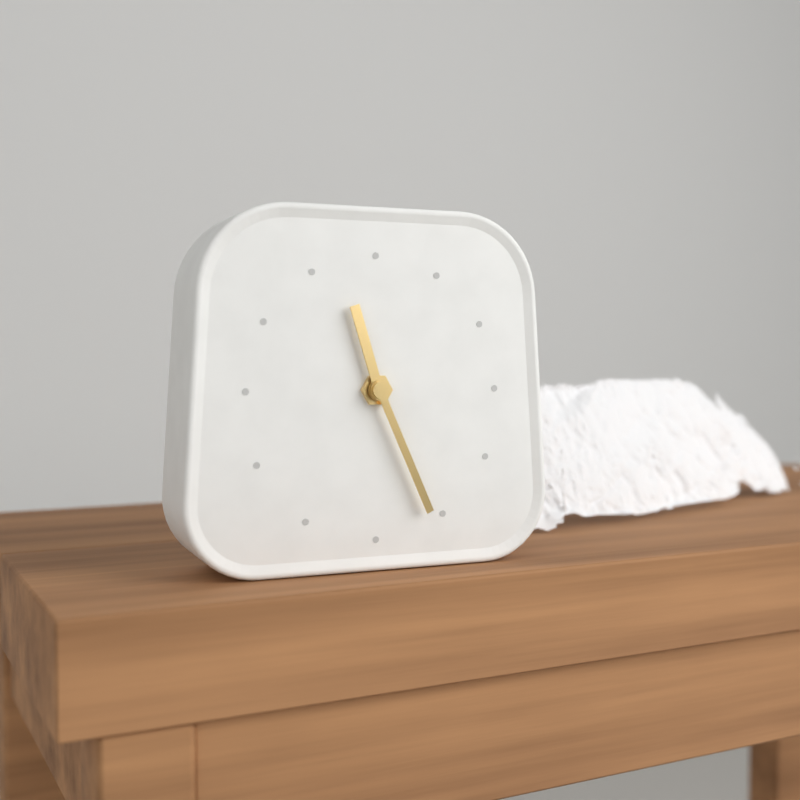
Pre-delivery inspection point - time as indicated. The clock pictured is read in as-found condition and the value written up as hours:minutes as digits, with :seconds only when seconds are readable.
11:26
